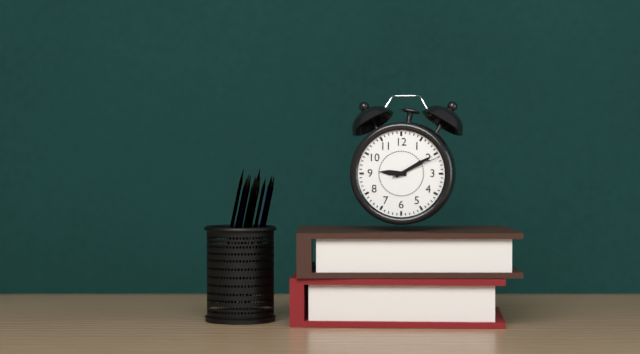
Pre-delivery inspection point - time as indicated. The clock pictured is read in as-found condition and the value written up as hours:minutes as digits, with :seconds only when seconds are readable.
9:10:11
